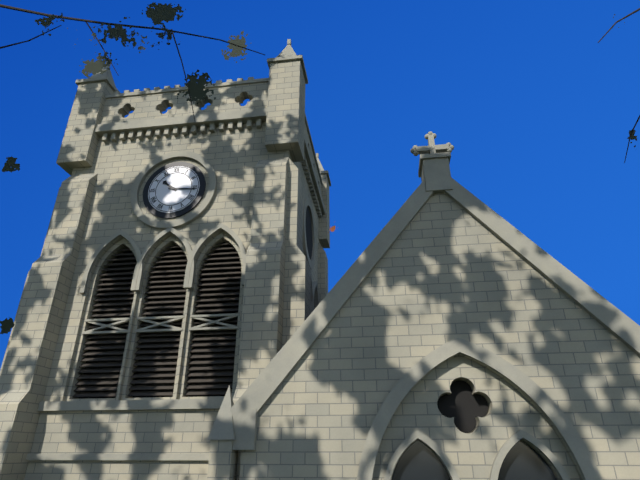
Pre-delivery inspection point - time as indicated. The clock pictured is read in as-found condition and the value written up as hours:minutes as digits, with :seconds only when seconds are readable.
10:16
